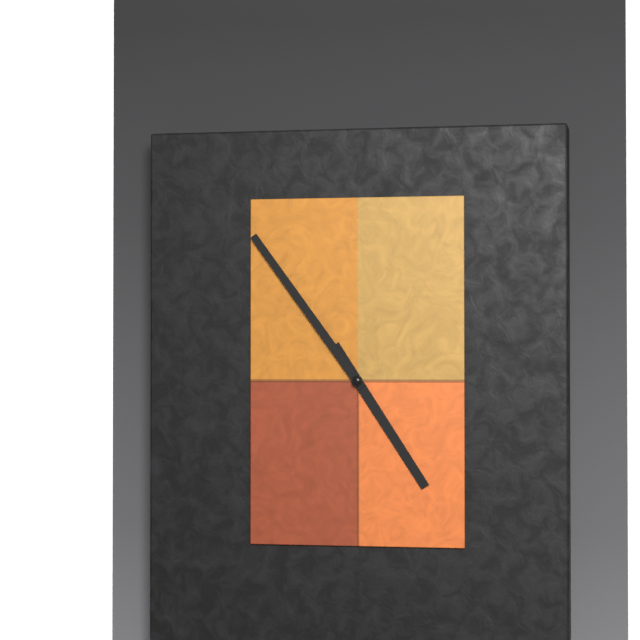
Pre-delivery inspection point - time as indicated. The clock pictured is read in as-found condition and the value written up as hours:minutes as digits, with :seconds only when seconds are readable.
4:54
